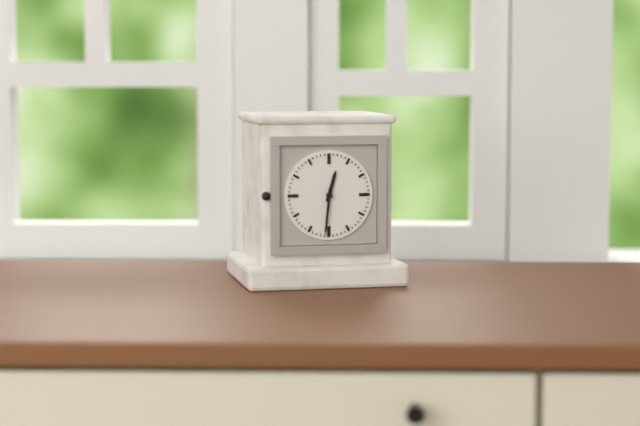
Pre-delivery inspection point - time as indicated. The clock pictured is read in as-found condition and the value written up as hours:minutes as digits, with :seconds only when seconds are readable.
12:31
